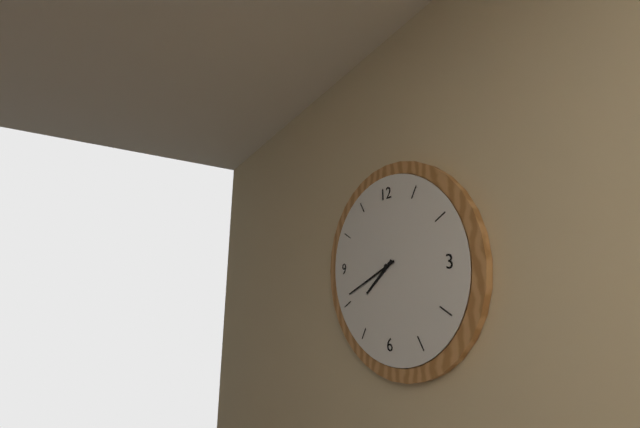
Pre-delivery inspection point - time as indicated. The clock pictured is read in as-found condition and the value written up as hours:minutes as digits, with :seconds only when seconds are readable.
7:41
